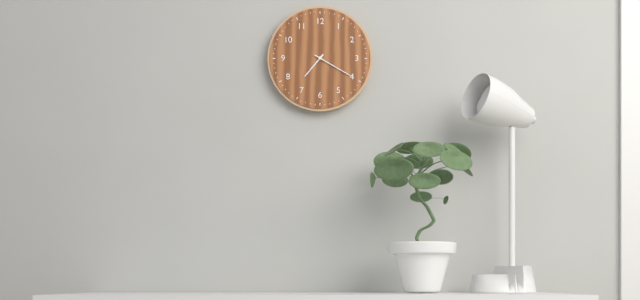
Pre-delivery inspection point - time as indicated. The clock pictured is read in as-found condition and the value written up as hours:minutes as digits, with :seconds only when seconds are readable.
7:20
